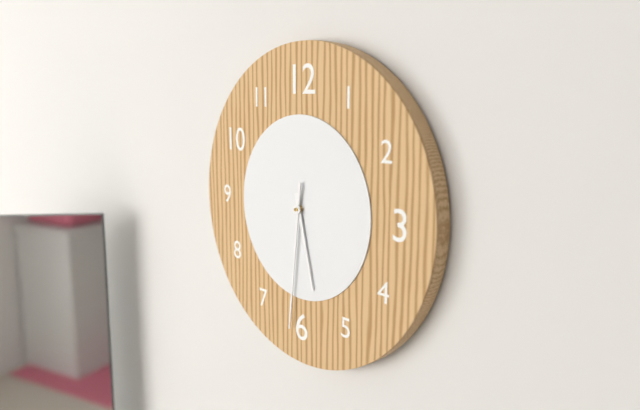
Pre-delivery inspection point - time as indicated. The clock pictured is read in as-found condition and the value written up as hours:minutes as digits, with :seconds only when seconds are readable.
5:31
